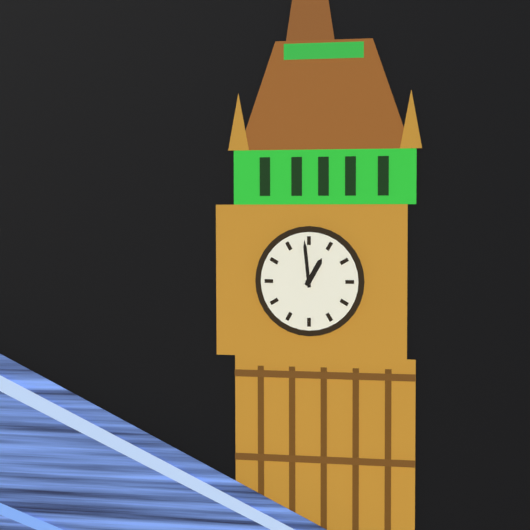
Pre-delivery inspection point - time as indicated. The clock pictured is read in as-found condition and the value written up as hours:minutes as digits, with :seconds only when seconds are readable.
12:59
